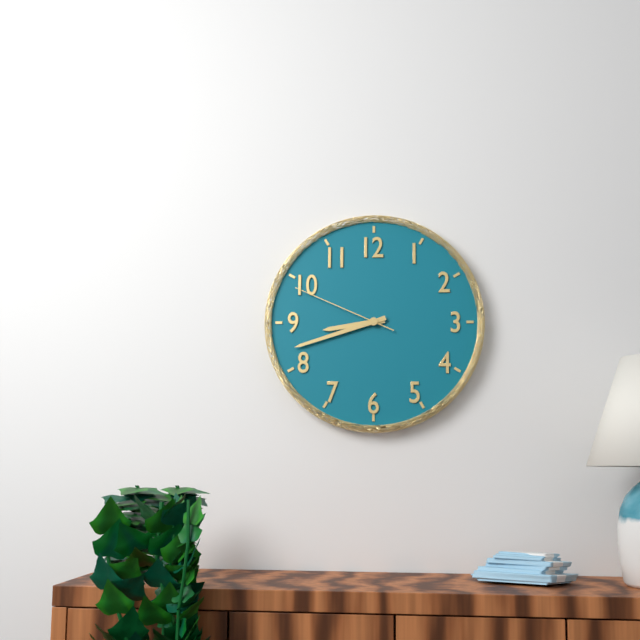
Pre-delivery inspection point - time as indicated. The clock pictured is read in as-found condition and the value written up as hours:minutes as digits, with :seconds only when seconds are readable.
8:42:49
